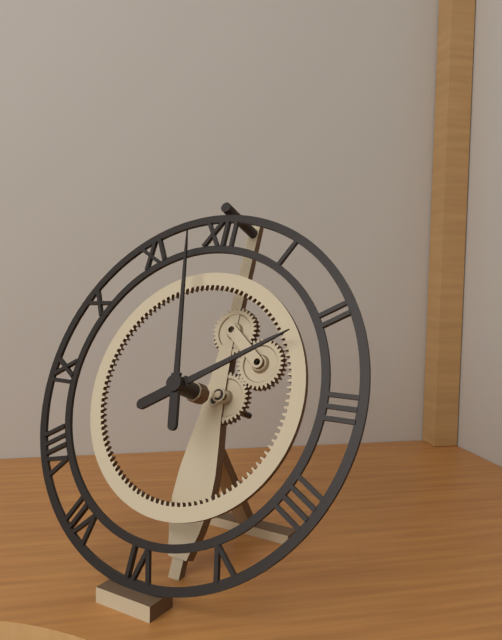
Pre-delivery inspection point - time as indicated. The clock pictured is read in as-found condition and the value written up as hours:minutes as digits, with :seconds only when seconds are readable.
1:58
